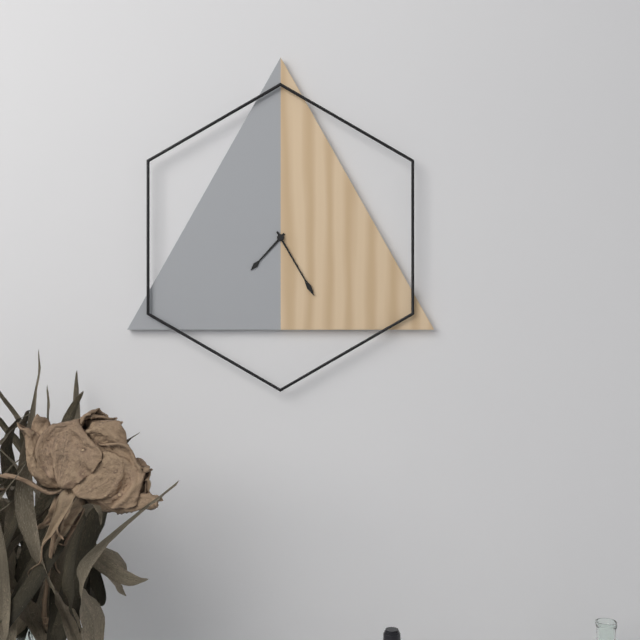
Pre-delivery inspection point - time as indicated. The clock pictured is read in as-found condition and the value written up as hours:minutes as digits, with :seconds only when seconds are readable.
7:25
